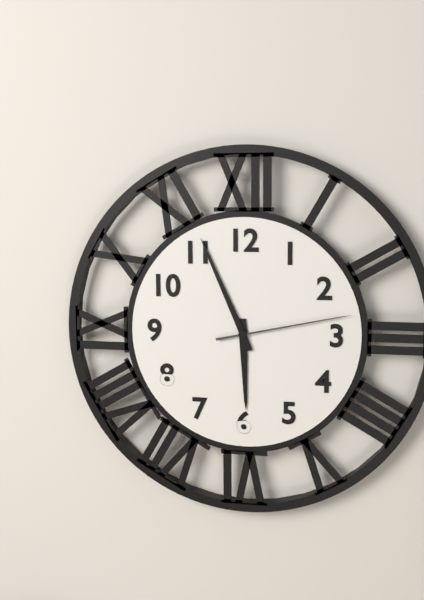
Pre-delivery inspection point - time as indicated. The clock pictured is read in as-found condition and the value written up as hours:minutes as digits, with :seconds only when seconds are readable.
5:56:13
